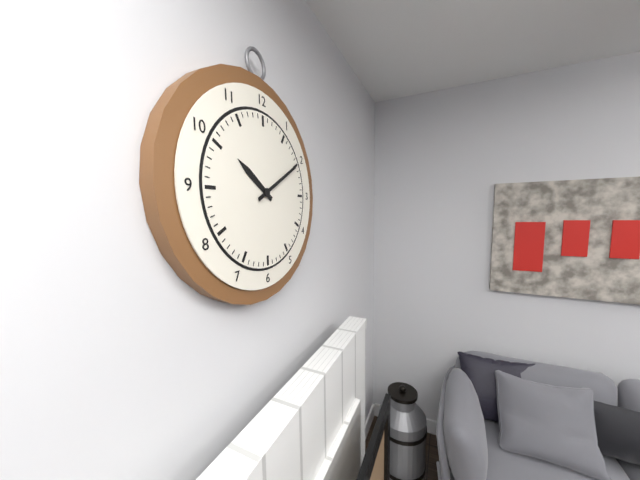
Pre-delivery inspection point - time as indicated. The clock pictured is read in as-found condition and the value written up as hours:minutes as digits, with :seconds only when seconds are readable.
10:10
